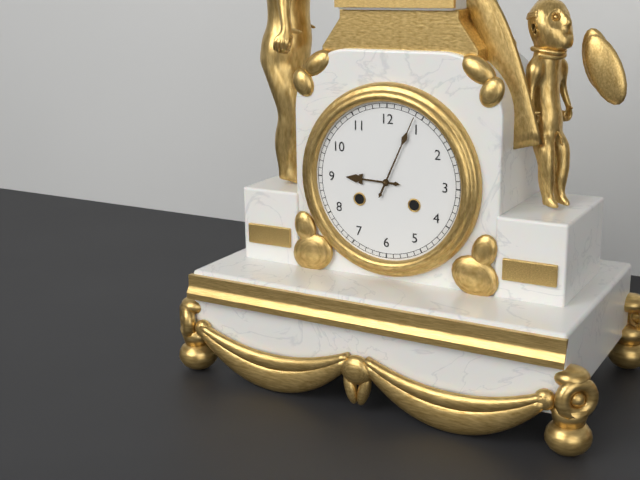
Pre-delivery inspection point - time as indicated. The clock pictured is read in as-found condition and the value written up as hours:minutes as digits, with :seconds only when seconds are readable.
9:04
